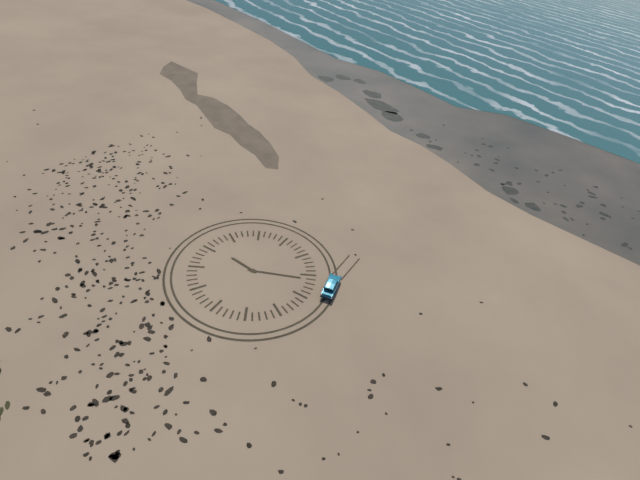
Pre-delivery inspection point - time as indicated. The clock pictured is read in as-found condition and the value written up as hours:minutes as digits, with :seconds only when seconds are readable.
9:11
